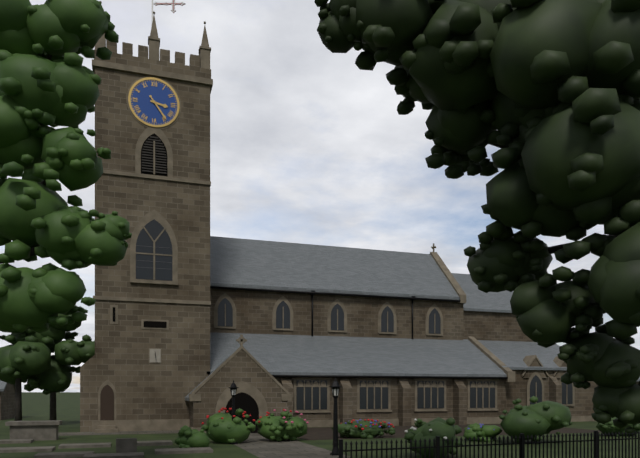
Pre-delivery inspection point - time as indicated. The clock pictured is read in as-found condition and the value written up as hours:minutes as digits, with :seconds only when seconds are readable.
3:24
